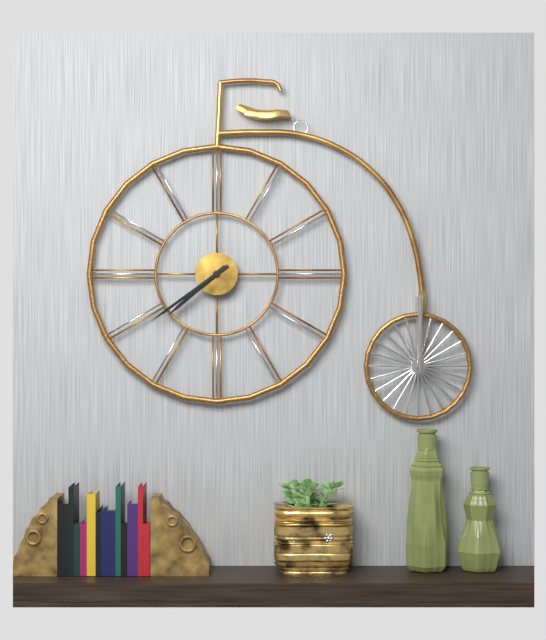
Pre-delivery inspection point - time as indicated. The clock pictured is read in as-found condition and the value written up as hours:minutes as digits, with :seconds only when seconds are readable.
7:39
